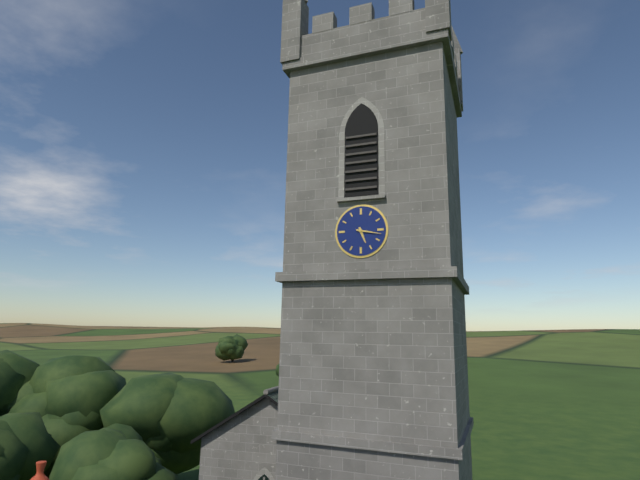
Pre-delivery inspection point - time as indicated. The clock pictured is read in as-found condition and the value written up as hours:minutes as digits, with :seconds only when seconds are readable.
5:17
